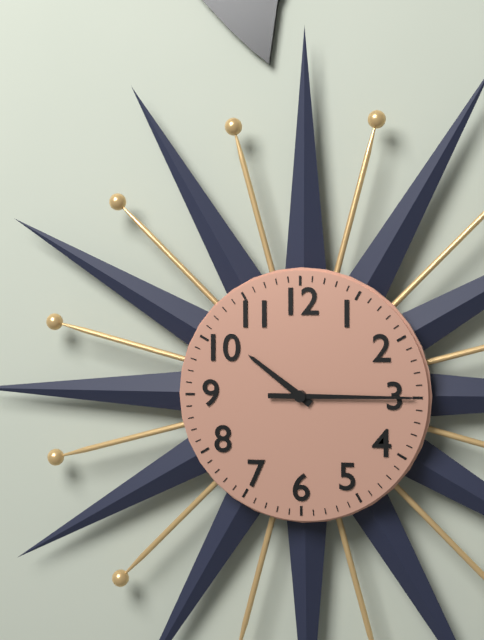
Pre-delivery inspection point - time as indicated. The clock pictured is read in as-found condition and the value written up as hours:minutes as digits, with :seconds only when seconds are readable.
10:15
